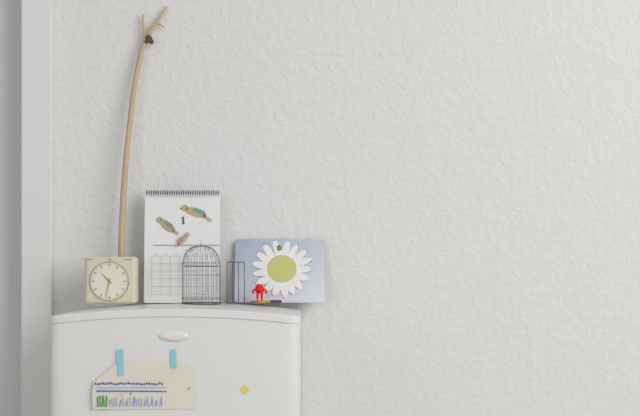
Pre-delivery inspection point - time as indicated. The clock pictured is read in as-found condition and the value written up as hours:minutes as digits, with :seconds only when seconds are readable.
10:32
